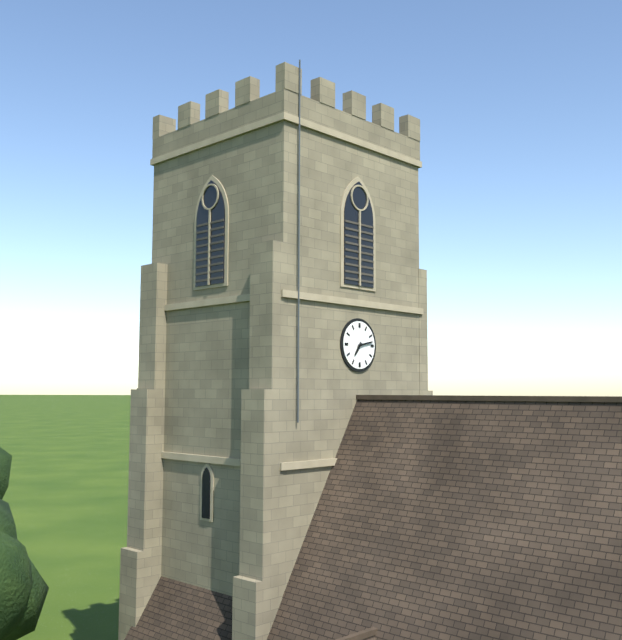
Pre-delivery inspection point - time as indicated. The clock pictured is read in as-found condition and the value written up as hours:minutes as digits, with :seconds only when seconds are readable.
7:13
